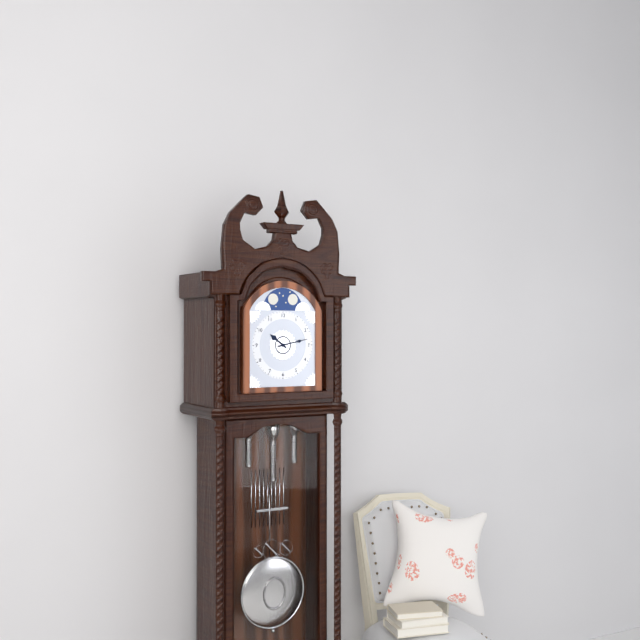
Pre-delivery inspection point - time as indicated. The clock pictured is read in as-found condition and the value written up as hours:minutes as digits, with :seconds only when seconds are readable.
10:13
